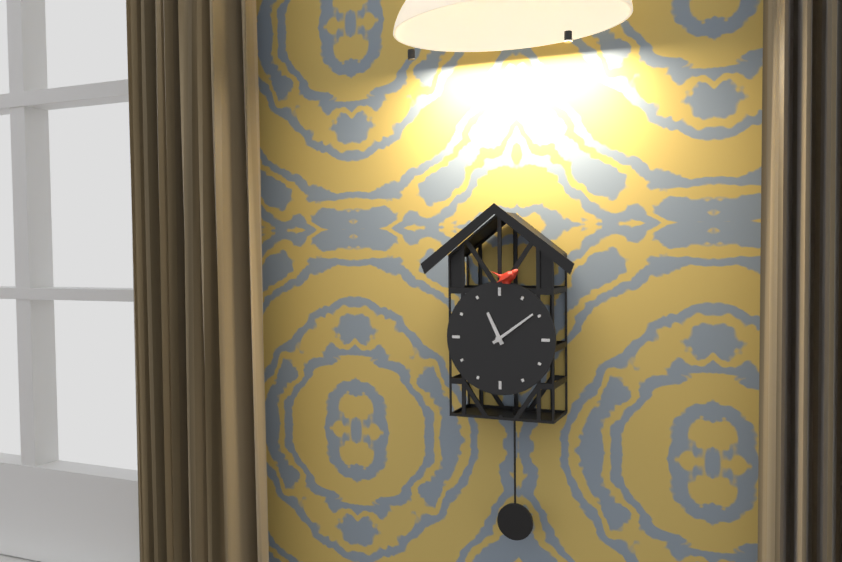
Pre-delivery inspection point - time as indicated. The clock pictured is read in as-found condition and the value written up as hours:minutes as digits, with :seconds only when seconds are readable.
11:09
